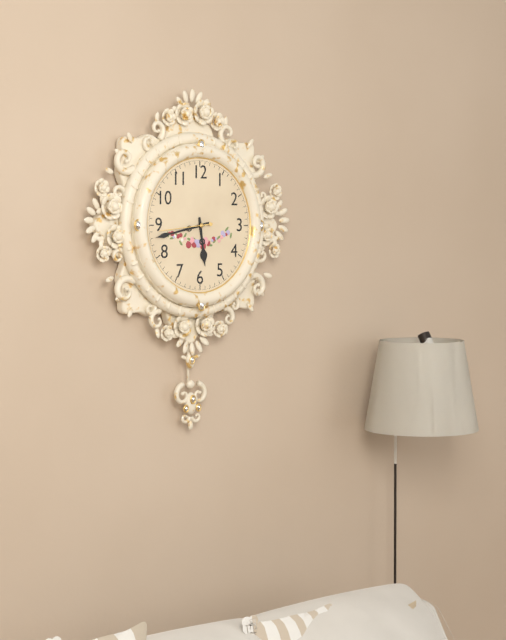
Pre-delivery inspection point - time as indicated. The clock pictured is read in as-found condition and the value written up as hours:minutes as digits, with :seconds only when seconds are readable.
5:43:44
